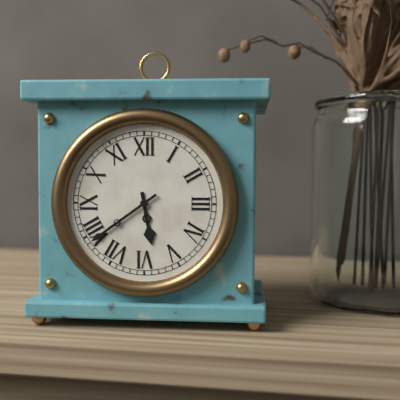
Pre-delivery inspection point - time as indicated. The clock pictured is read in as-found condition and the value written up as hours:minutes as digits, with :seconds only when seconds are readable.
5:39
